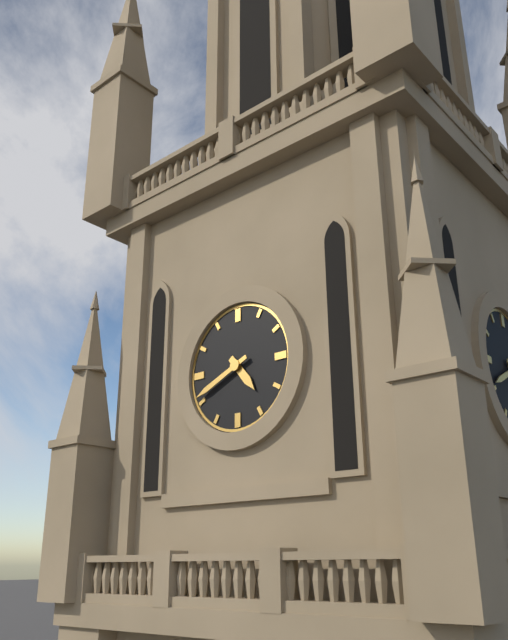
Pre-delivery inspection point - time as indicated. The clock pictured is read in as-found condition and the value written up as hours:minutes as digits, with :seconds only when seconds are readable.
4:41
